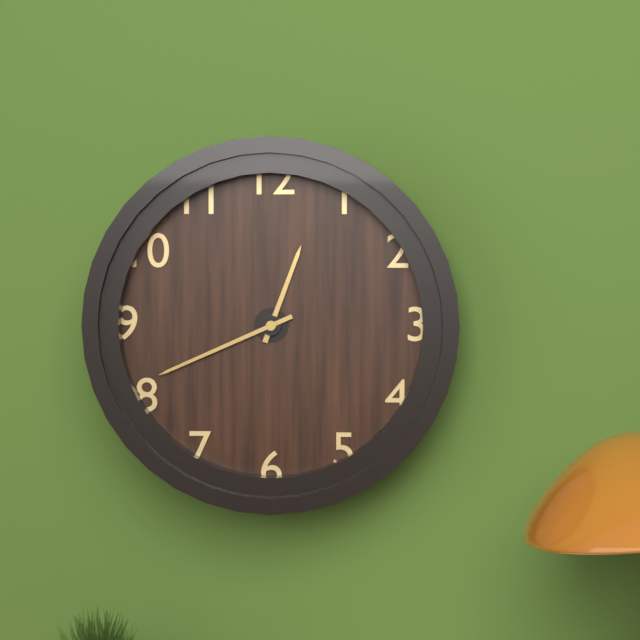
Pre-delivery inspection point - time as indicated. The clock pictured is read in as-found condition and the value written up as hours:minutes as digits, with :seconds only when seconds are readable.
12:41
